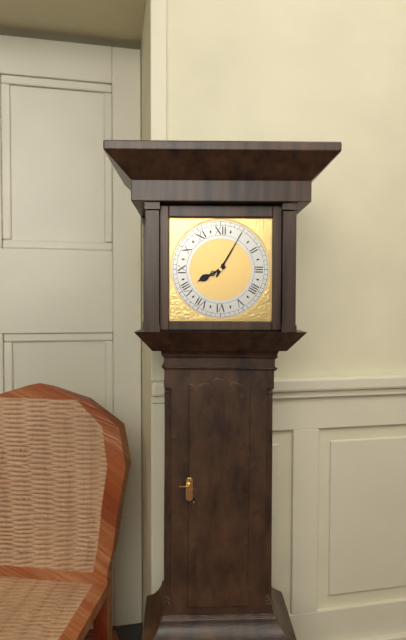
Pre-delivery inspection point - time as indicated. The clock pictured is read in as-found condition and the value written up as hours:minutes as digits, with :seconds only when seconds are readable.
8:05
